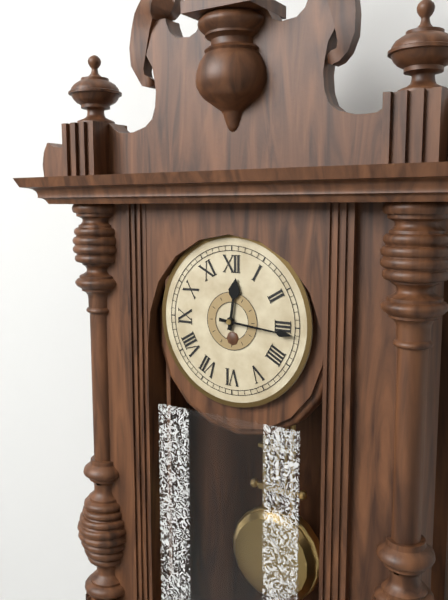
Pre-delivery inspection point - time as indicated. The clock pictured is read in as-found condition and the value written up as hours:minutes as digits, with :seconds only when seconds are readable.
12:16
